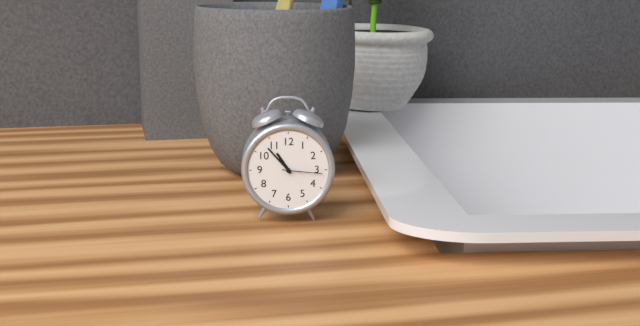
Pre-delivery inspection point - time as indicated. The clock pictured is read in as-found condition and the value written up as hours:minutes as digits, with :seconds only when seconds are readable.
10:53
